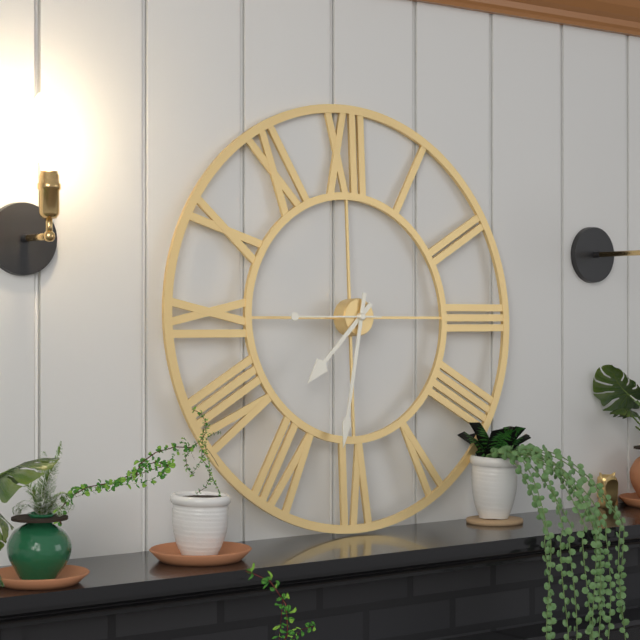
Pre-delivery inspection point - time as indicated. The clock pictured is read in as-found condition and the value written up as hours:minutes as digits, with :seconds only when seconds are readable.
7:32:45
